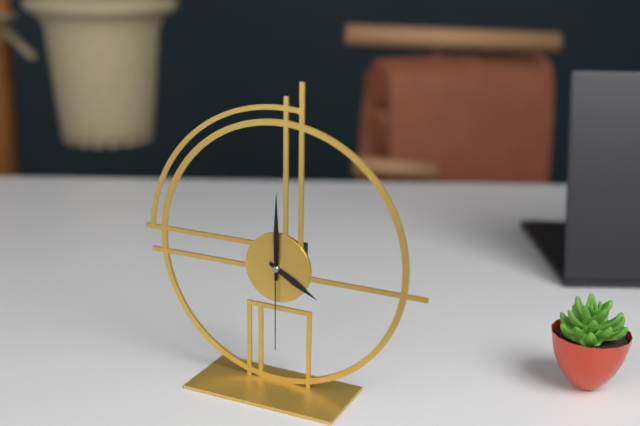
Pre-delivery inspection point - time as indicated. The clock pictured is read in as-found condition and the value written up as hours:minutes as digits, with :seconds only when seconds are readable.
4:00:30
